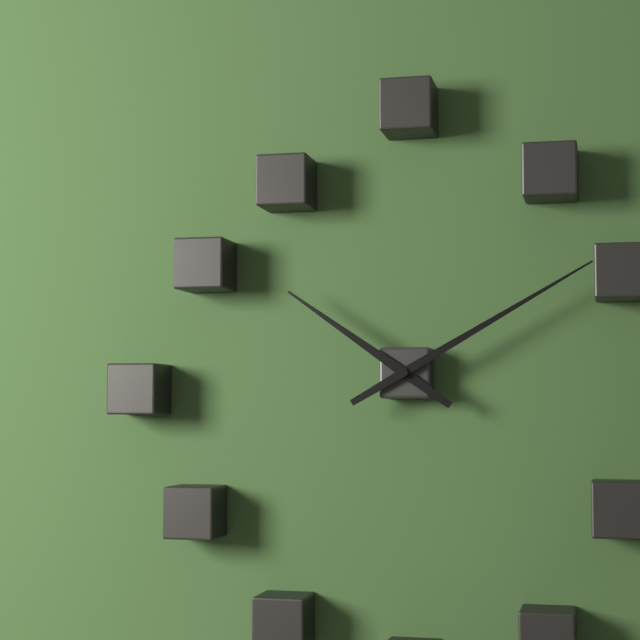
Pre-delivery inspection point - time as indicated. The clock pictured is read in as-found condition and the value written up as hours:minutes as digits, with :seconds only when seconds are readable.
10:10
